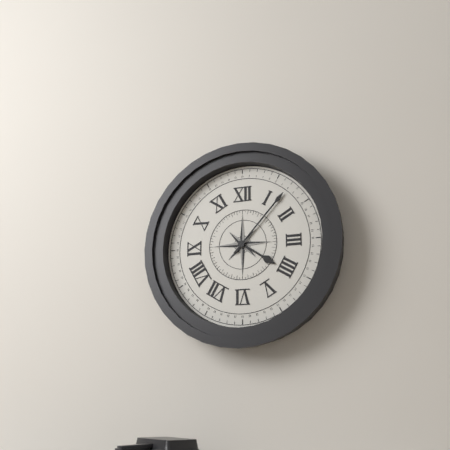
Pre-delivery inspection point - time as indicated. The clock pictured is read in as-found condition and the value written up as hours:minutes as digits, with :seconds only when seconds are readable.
4:07
